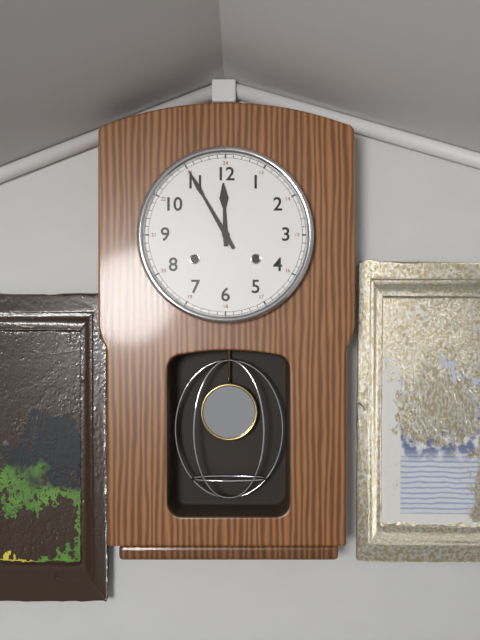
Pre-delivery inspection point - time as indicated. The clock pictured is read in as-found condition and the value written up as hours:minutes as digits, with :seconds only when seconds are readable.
11:55
